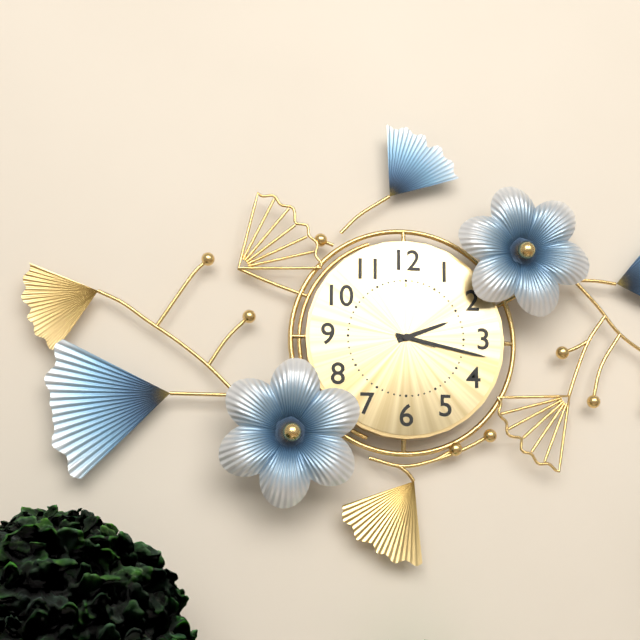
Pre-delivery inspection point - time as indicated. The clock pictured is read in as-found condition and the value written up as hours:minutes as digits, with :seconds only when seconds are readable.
2:17
